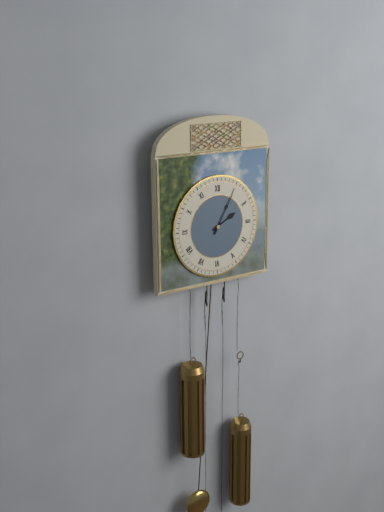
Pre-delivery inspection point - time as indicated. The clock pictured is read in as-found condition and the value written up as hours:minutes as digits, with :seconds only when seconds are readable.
2:05
